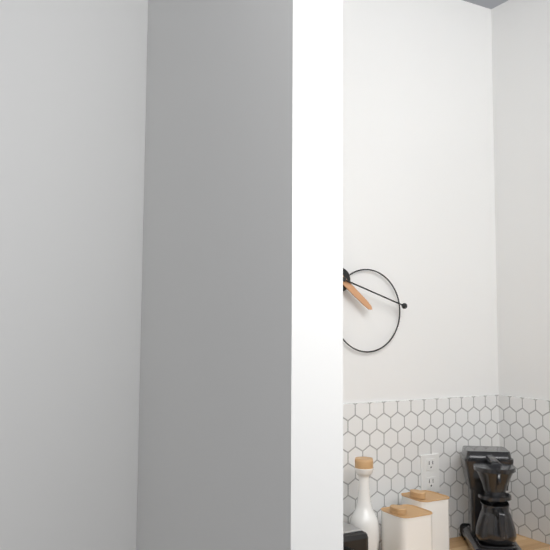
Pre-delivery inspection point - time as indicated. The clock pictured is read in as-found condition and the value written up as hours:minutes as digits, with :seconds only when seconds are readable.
4:18
